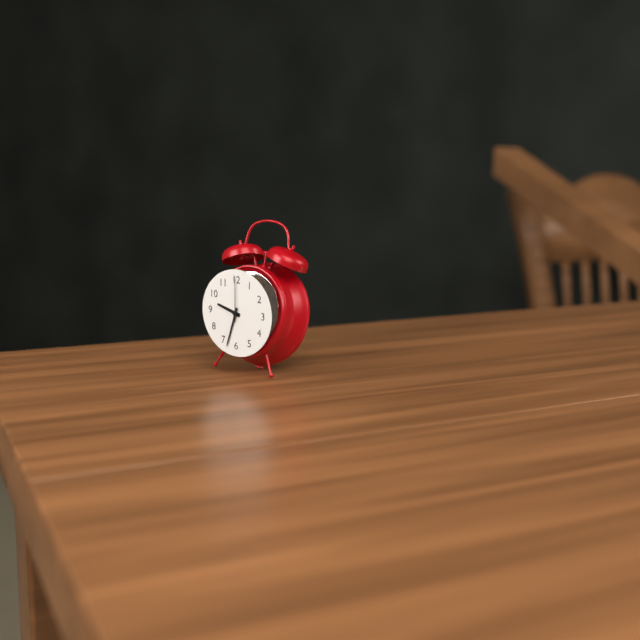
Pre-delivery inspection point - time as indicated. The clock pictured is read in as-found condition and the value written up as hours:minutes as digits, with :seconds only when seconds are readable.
9:33
